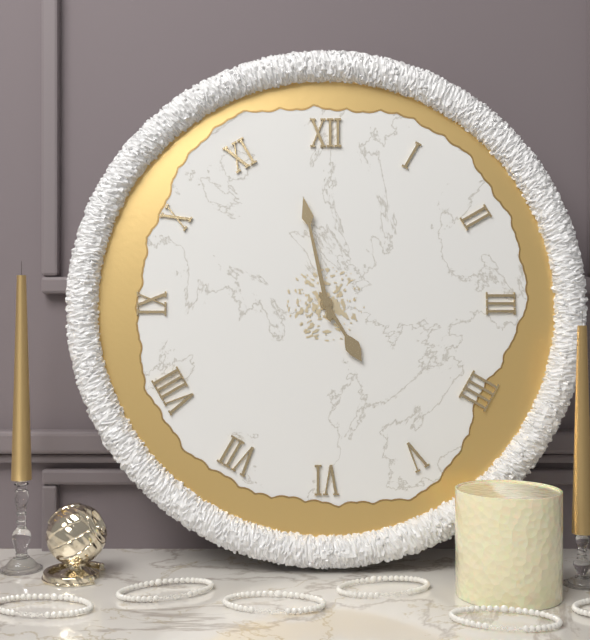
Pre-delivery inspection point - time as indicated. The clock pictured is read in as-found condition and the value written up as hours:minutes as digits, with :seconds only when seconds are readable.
4:58
